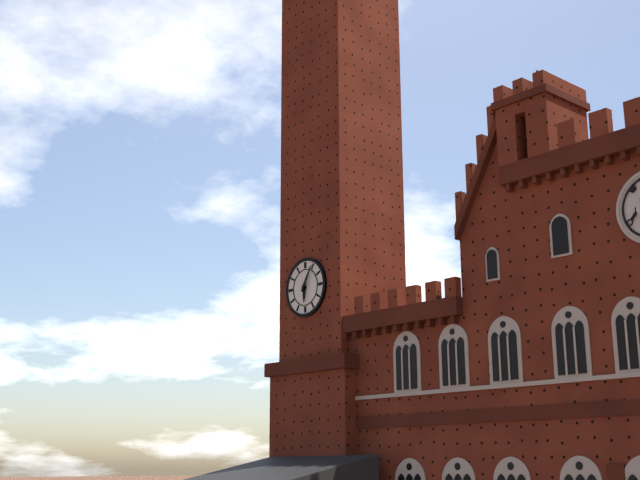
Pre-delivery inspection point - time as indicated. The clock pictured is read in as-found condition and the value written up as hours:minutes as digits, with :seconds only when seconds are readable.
6:05
